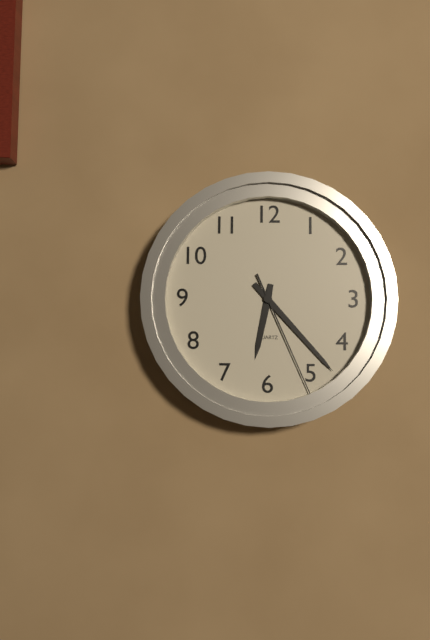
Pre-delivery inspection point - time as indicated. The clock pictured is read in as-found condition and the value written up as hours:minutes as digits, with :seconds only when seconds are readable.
6:23:26
